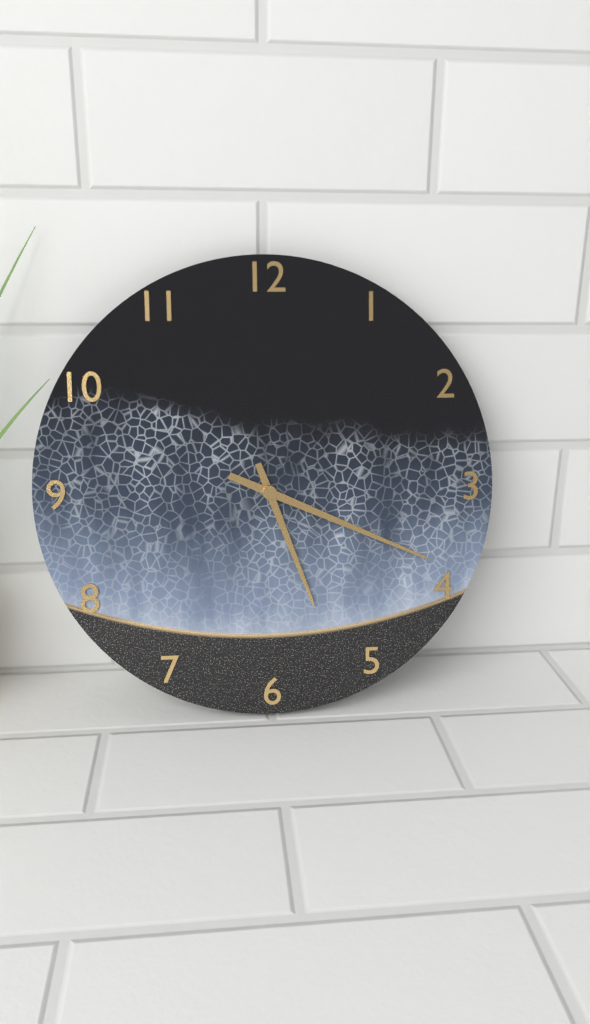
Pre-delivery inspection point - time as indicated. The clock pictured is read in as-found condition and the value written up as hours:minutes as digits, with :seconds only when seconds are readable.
5:19
